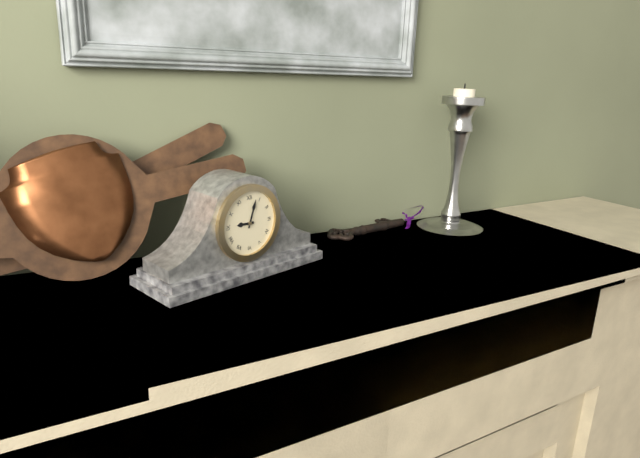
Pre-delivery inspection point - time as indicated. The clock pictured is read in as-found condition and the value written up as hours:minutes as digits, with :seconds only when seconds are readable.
9:03
